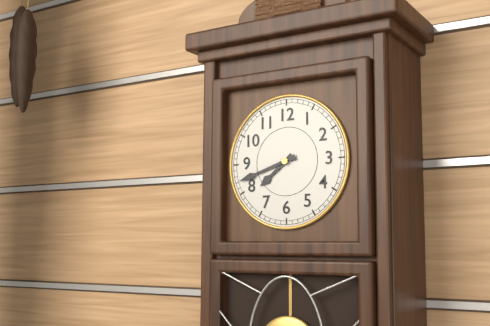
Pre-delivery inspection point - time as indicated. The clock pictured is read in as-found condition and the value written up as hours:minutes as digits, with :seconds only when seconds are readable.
7:42
